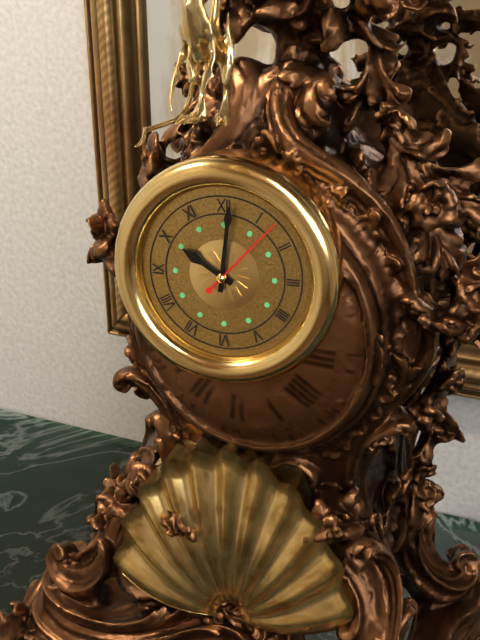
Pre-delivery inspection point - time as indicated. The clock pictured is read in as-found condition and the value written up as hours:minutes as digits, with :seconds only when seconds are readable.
10:01:07
